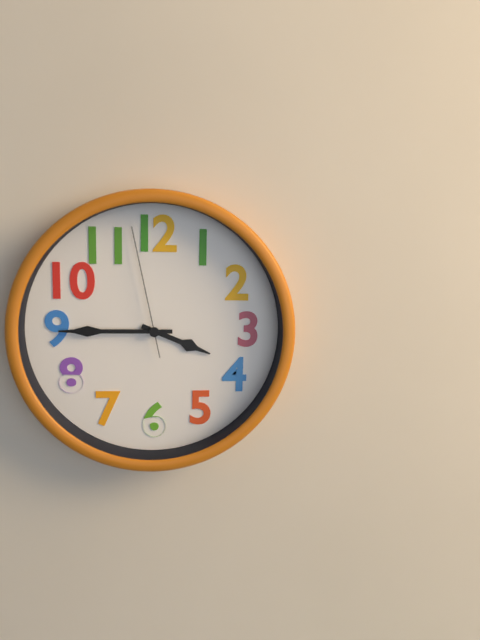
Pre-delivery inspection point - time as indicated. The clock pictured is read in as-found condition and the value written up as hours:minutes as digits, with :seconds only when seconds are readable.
3:45:58
